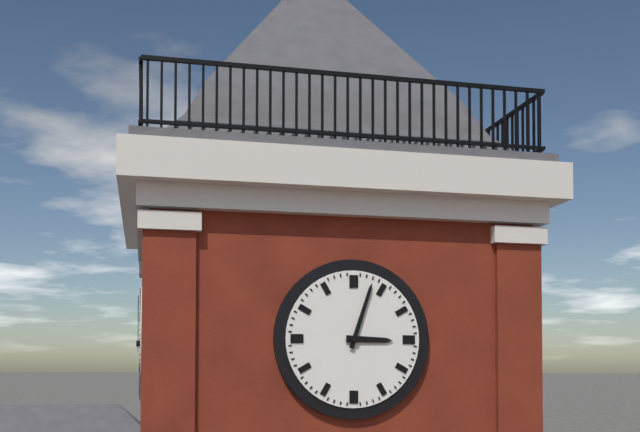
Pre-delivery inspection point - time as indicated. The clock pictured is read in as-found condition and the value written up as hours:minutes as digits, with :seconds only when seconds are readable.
3:03
